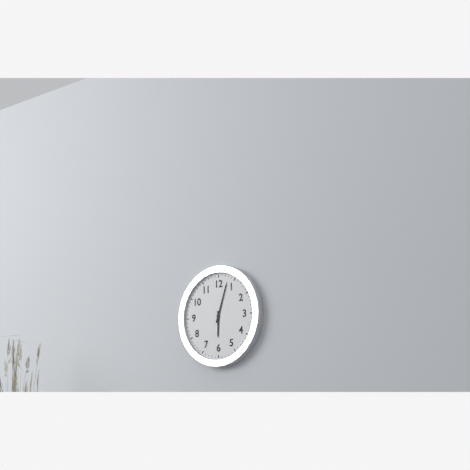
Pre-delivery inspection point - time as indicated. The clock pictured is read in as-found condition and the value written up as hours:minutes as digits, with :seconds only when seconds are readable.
6:03
